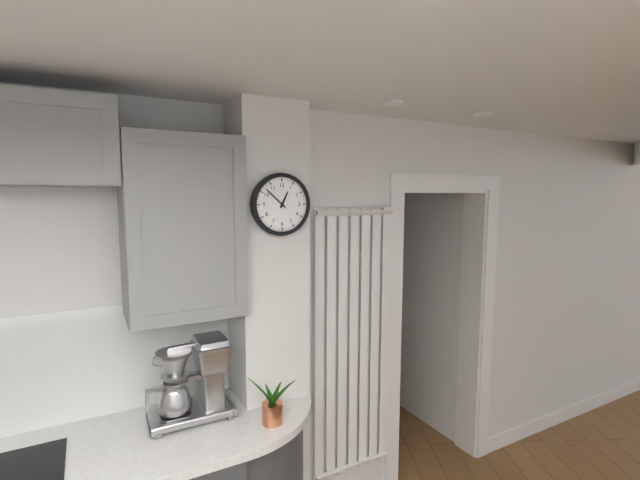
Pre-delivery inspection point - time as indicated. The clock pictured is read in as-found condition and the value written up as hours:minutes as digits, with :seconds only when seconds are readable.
12:52
